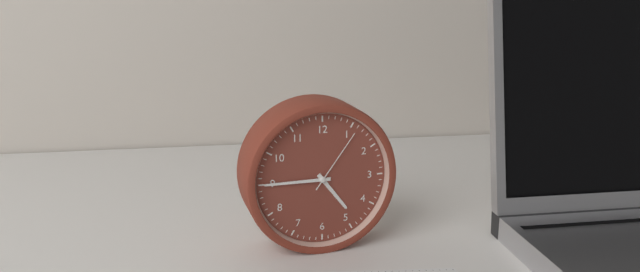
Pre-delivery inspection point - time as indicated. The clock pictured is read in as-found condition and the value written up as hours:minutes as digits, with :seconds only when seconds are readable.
4:45:06
